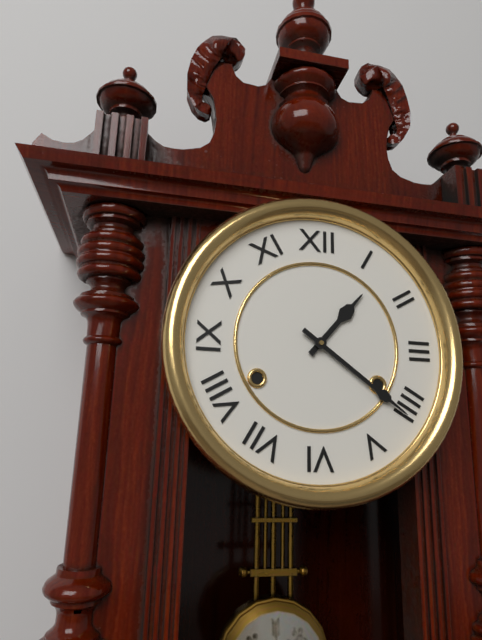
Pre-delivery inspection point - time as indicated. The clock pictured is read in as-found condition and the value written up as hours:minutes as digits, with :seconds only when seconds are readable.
1:21
